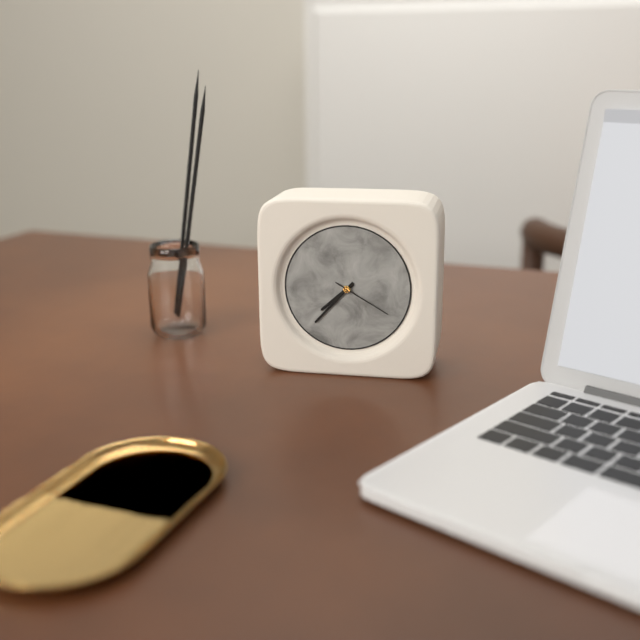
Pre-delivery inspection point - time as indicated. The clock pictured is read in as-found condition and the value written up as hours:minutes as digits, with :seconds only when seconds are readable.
7:37:20
